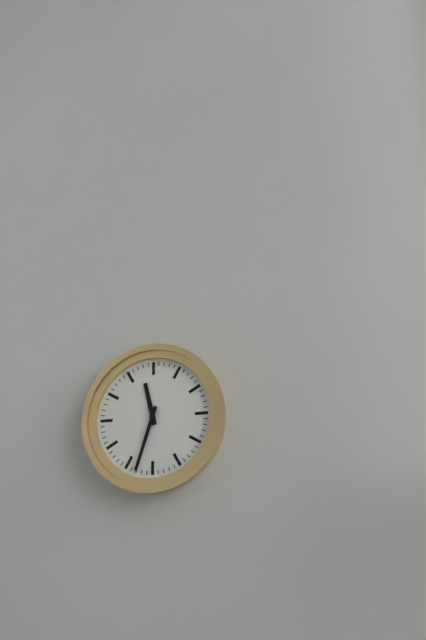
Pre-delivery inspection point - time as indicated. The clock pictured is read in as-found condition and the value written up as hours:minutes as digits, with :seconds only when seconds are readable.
11:33
